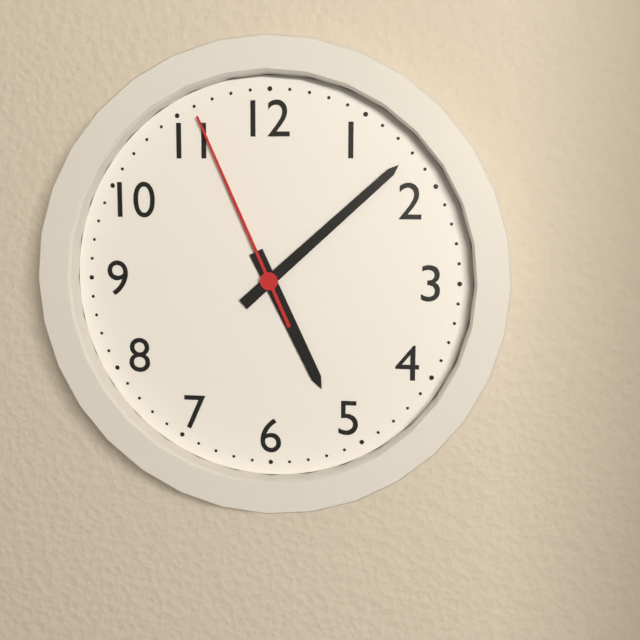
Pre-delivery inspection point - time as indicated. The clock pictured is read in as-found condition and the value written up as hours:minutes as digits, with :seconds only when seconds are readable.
5:08:56
